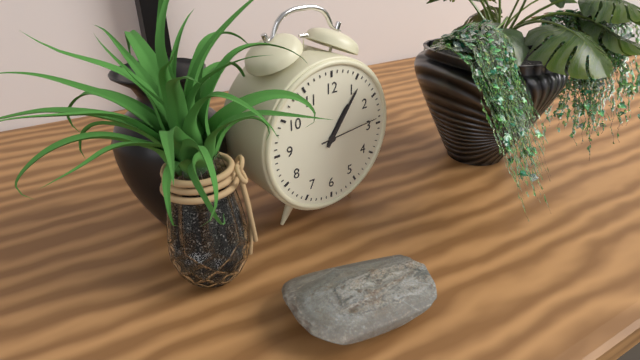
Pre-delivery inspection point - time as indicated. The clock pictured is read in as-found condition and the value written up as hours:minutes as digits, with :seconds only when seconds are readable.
1:06:14
